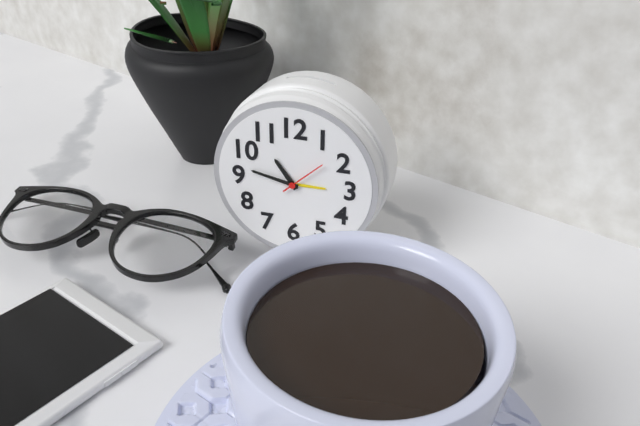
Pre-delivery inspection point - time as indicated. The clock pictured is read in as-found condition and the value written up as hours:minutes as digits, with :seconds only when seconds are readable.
10:47
